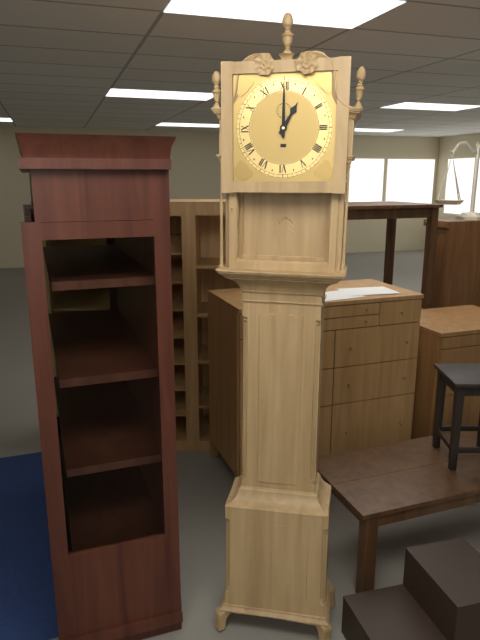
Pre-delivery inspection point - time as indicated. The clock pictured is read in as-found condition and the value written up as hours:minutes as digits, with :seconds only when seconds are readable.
1:00
